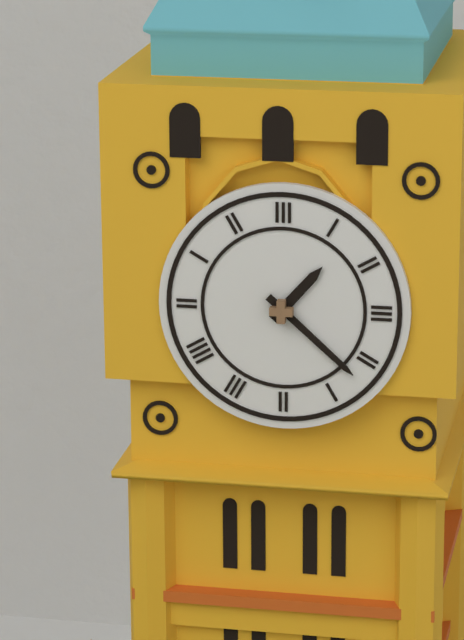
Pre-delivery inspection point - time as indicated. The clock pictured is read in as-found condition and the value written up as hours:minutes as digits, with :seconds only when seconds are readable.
1:22
